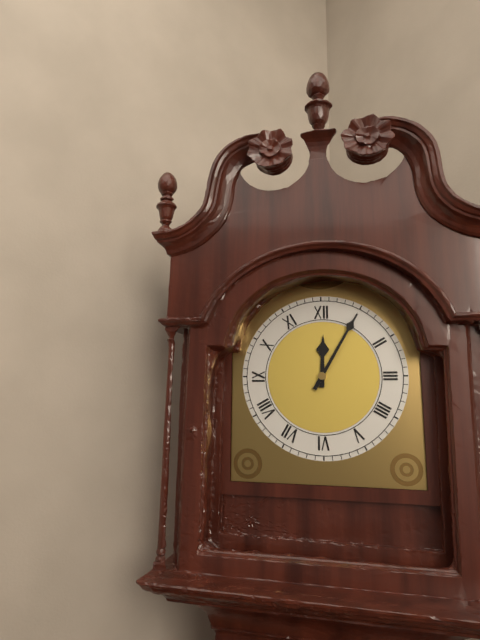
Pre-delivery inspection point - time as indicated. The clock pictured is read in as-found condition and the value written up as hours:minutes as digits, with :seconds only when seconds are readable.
12:05
